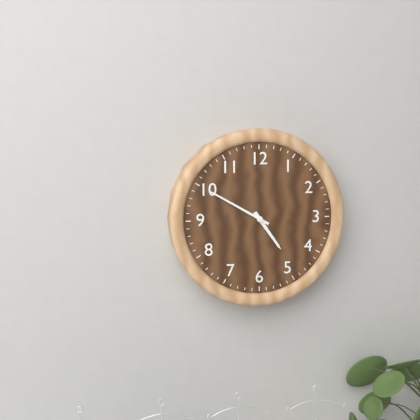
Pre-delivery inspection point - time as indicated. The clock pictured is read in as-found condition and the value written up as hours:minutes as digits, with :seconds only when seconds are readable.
4:50
